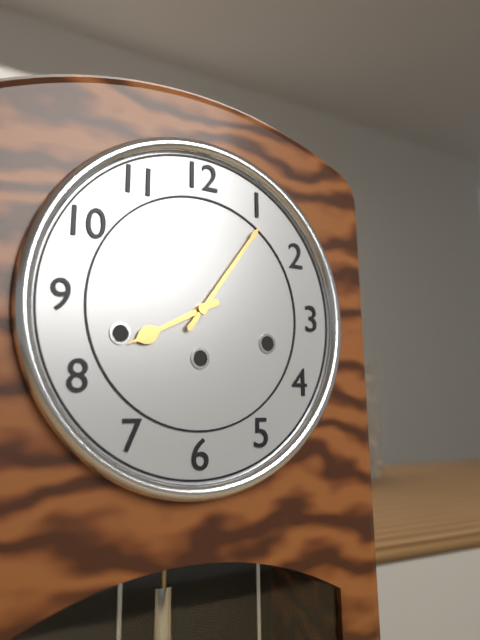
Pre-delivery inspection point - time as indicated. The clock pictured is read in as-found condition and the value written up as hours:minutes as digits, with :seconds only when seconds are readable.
8:06
